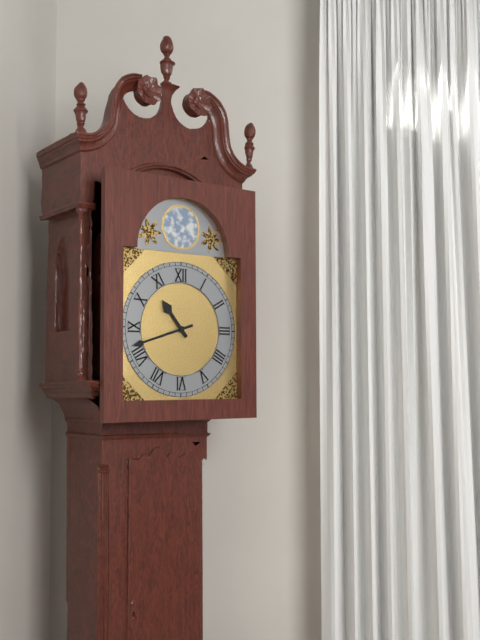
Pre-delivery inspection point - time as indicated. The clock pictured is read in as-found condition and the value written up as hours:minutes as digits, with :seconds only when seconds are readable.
10:42
